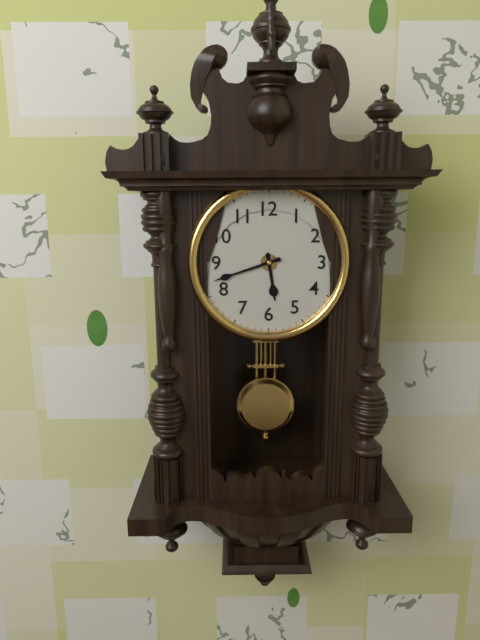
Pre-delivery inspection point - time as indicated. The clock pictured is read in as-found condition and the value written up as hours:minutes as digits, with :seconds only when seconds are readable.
5:42
